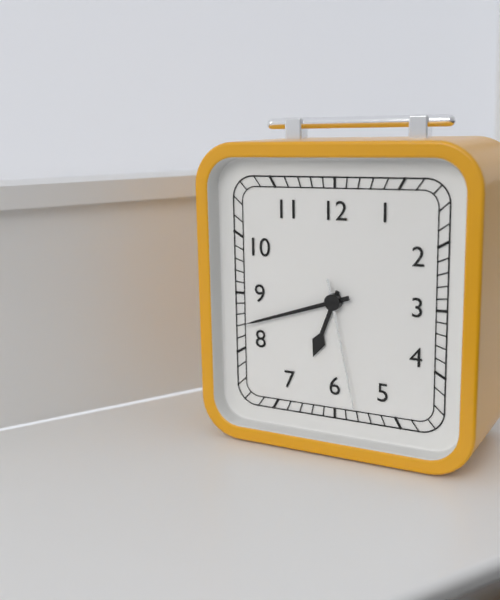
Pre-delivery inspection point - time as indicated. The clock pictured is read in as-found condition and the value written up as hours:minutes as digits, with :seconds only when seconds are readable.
6:42:28
